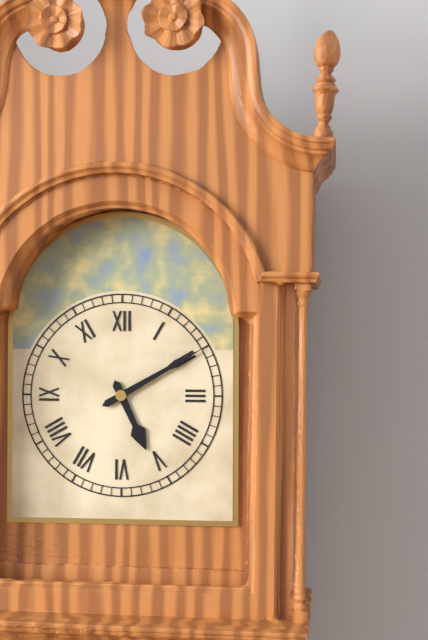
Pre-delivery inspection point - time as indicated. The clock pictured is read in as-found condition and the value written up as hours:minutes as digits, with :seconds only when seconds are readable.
5:10
